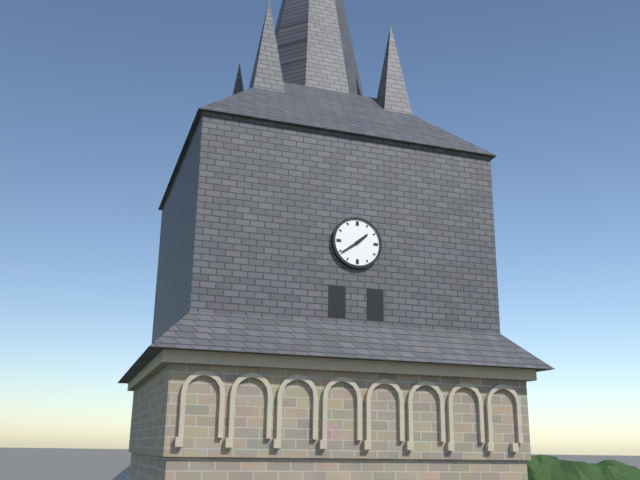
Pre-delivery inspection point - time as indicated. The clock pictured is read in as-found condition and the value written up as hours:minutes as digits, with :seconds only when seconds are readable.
1:39
